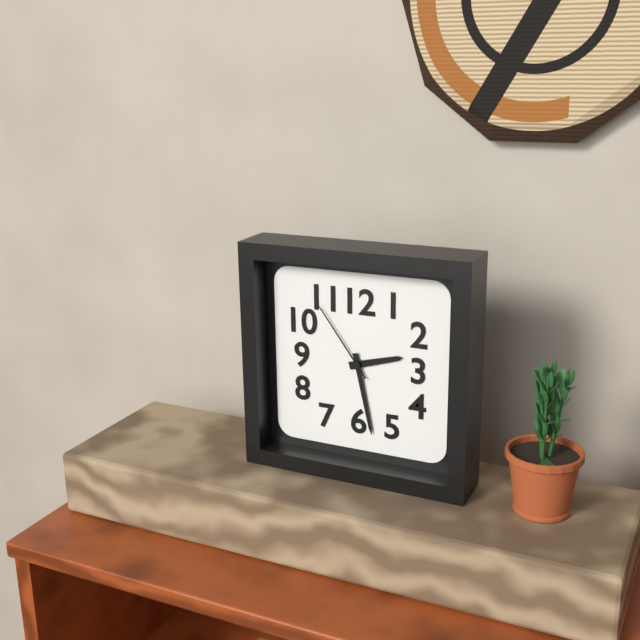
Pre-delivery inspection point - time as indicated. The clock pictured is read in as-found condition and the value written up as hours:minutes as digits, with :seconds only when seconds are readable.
2:28:54
